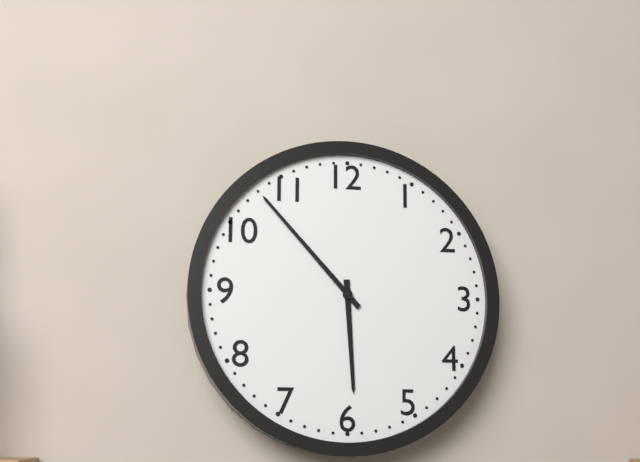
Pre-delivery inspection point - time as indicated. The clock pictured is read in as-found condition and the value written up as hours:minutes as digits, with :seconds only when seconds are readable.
5:53
